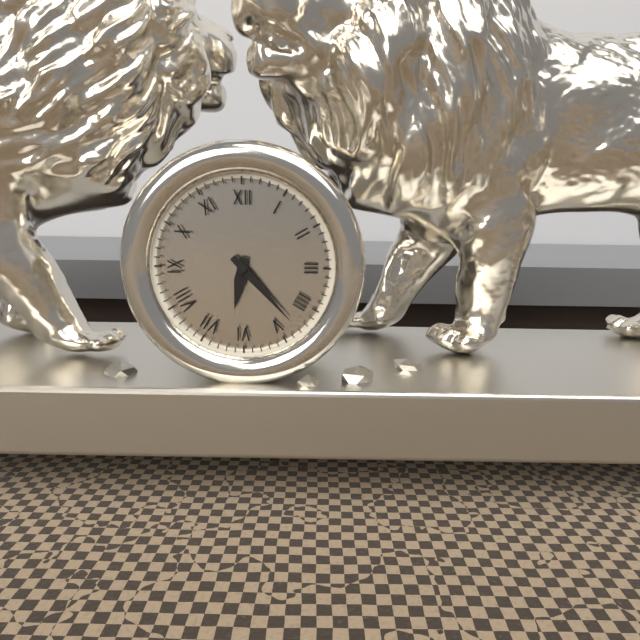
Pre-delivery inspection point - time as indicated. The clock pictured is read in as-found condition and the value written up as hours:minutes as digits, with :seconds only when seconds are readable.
6:23
